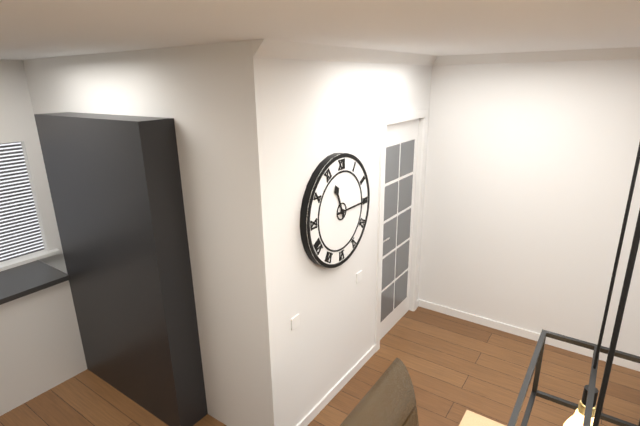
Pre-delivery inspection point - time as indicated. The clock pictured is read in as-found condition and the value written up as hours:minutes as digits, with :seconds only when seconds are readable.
11:15
